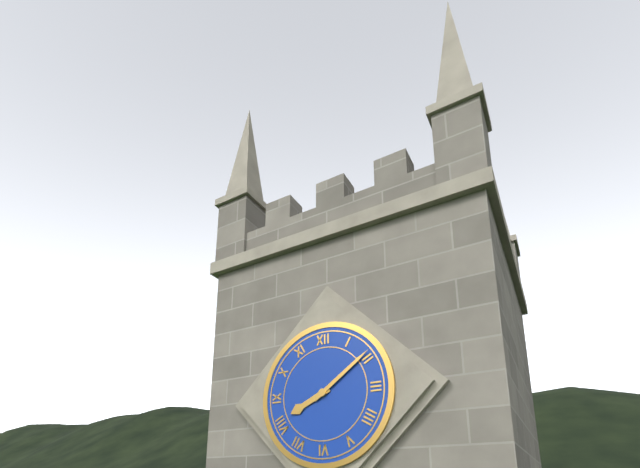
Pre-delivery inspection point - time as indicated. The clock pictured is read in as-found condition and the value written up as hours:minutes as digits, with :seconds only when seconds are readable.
8:09
